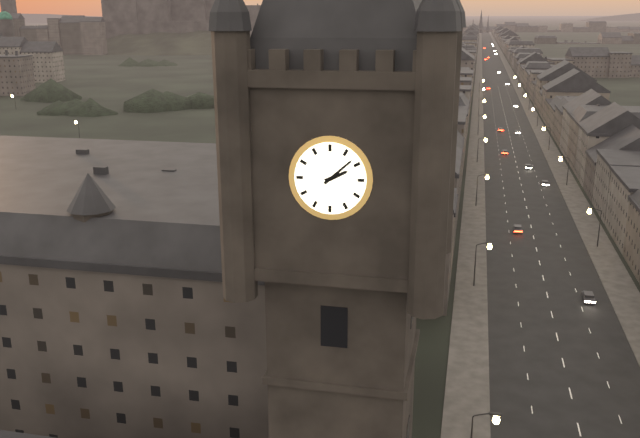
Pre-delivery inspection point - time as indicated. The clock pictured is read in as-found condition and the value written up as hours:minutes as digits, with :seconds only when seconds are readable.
2:08
